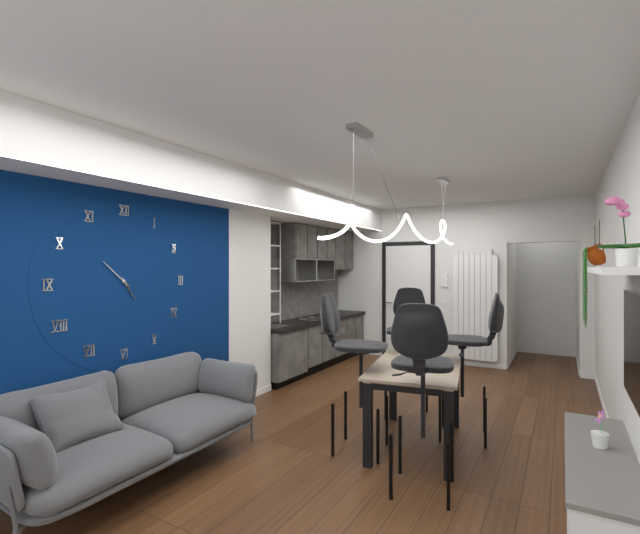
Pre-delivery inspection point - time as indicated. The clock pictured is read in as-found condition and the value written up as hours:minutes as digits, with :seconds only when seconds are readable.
4:52
